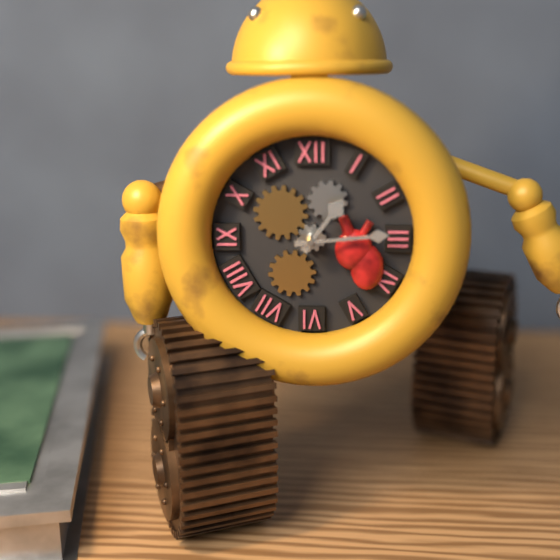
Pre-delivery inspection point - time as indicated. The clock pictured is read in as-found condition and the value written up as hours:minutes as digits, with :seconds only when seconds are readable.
1:14
